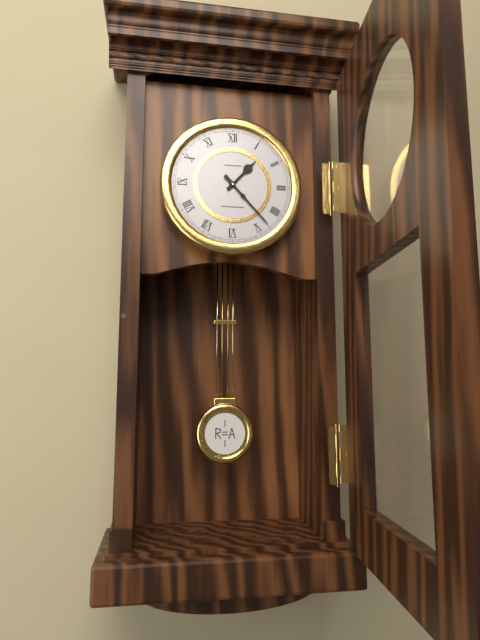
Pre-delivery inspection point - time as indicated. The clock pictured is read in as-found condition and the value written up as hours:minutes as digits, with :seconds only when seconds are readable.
1:23
